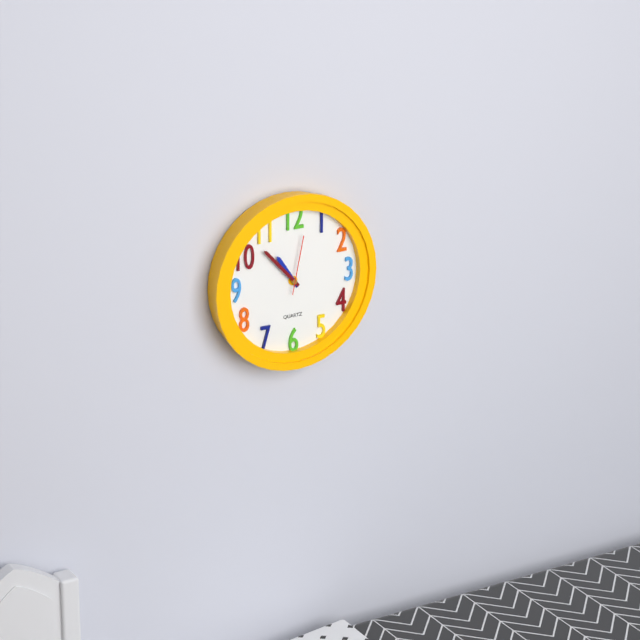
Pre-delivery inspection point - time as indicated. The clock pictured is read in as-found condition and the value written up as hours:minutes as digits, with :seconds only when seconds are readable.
10:53:02
